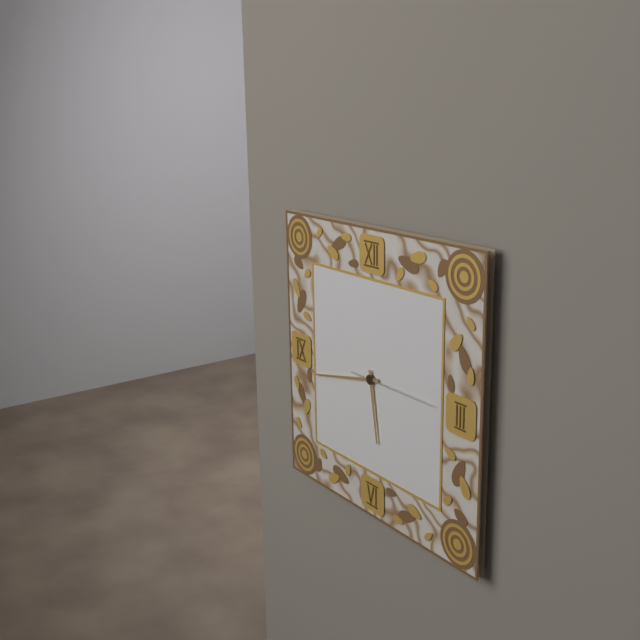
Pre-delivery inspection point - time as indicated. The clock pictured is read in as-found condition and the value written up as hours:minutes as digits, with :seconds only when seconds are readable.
5:43:15
